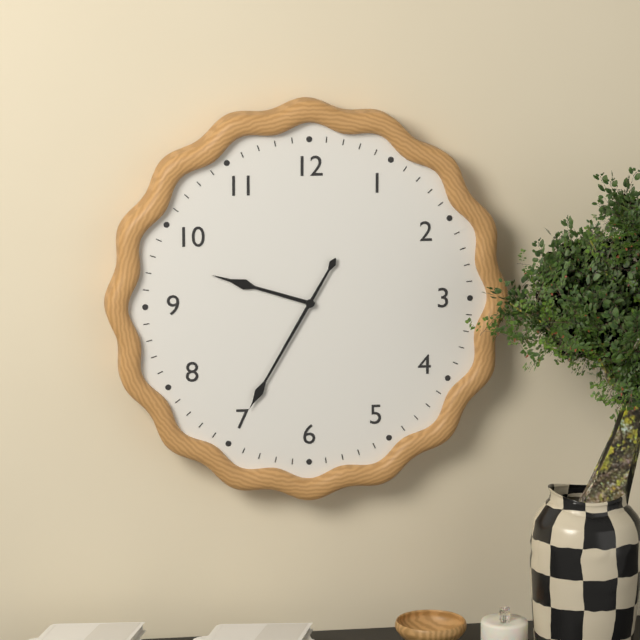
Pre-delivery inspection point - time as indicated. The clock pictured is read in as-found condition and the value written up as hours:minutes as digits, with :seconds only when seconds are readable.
9:35
